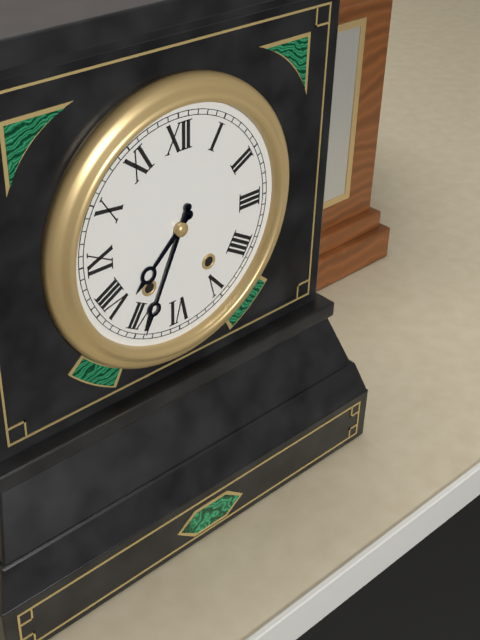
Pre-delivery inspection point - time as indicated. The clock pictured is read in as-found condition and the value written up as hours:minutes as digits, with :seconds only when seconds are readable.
7:34
